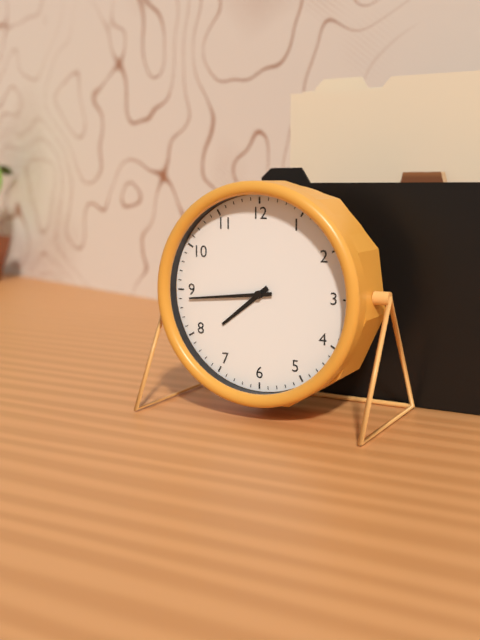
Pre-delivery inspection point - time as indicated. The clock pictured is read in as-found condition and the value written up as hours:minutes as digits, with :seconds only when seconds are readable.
7:44
